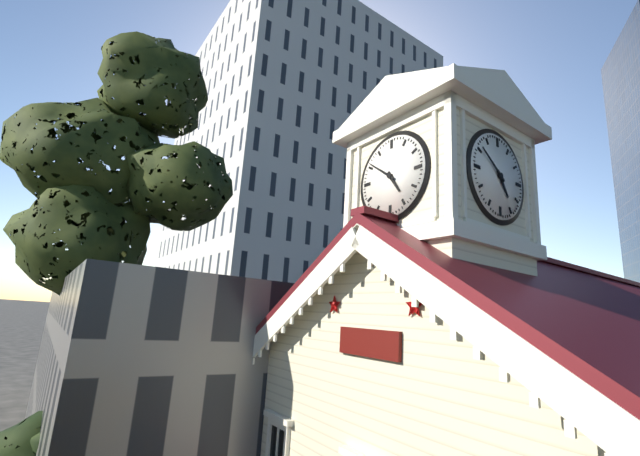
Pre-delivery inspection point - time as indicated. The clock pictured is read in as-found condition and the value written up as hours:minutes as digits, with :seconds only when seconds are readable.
4:51
